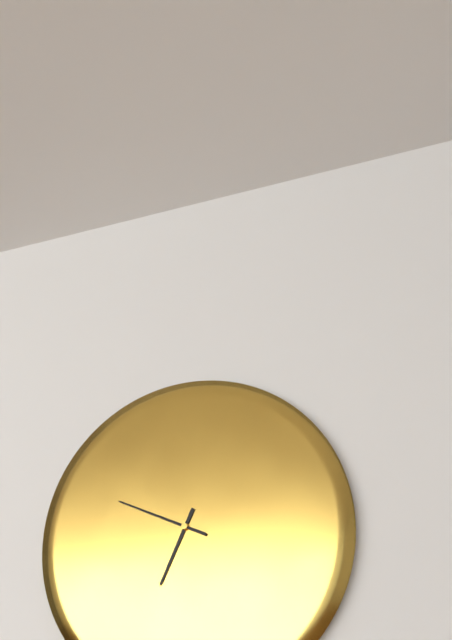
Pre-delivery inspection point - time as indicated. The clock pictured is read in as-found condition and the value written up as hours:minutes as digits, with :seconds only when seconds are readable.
6:49
